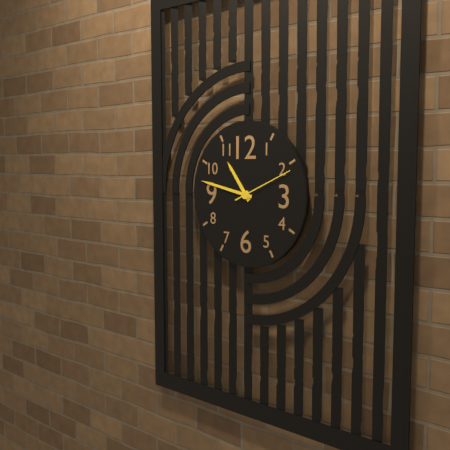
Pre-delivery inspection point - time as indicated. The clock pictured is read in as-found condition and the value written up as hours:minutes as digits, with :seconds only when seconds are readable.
10:47:11
